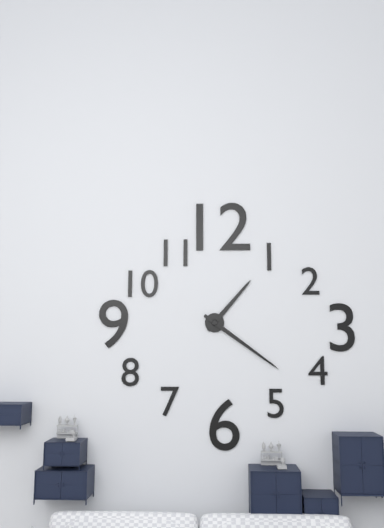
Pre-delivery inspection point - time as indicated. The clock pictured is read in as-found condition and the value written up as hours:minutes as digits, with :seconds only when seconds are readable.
1:21
